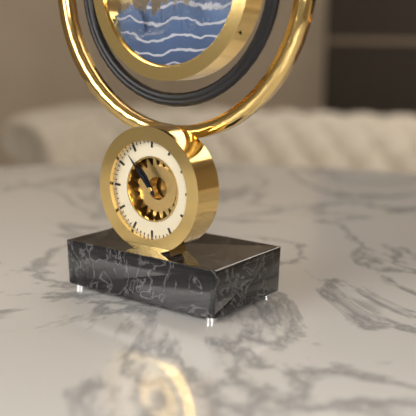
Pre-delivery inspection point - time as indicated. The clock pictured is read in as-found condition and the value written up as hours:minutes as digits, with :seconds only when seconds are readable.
10:53
